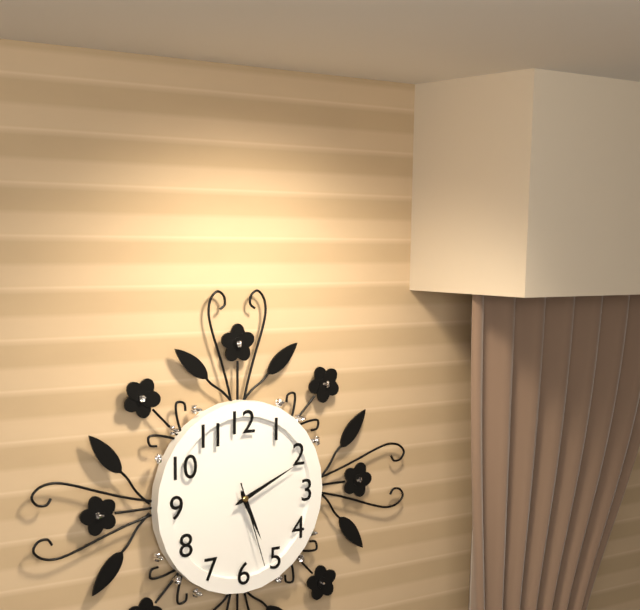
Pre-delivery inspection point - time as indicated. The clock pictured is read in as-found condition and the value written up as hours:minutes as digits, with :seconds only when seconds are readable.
5:11:27
